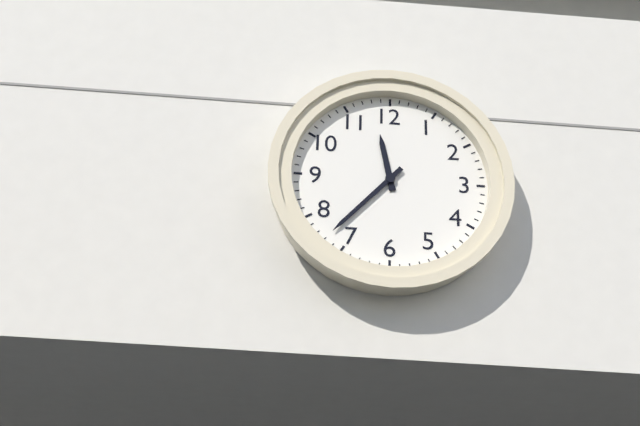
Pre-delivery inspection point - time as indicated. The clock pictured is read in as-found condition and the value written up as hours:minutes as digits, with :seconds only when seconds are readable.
11:37
